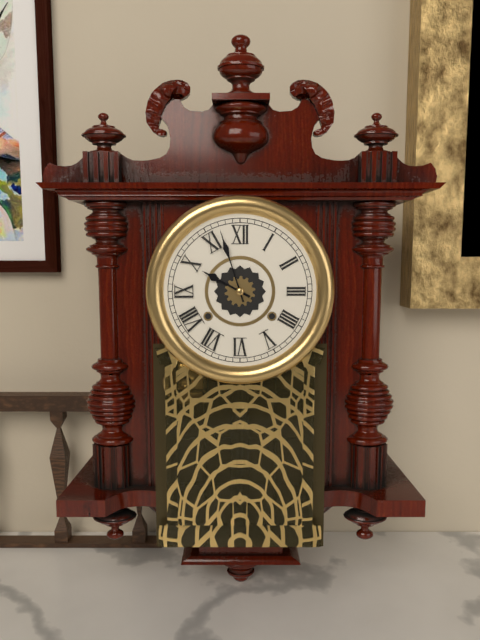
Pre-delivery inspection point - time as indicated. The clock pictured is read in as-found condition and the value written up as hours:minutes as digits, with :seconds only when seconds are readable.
9:57
